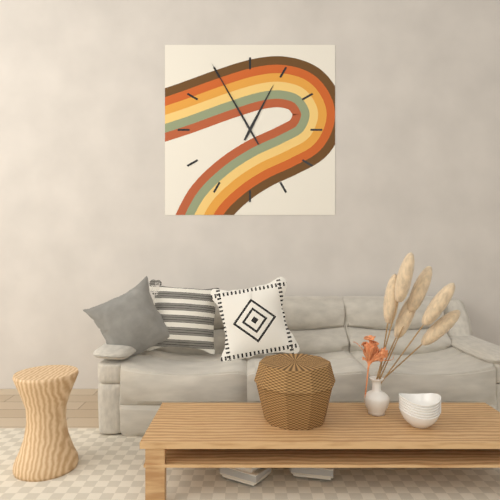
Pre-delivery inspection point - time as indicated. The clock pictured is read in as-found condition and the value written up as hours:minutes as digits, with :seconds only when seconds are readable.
12:55
